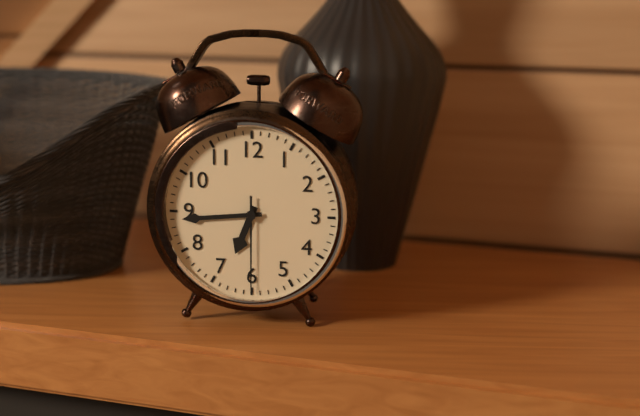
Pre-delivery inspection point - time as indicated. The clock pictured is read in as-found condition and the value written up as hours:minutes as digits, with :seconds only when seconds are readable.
6:44:30
